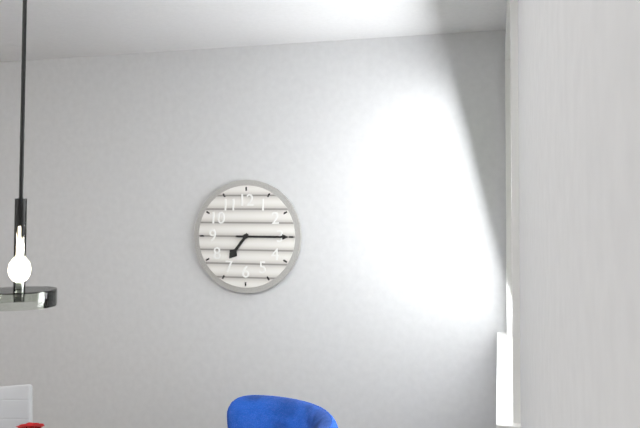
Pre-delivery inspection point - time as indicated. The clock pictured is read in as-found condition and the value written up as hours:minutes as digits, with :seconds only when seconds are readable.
7:15
